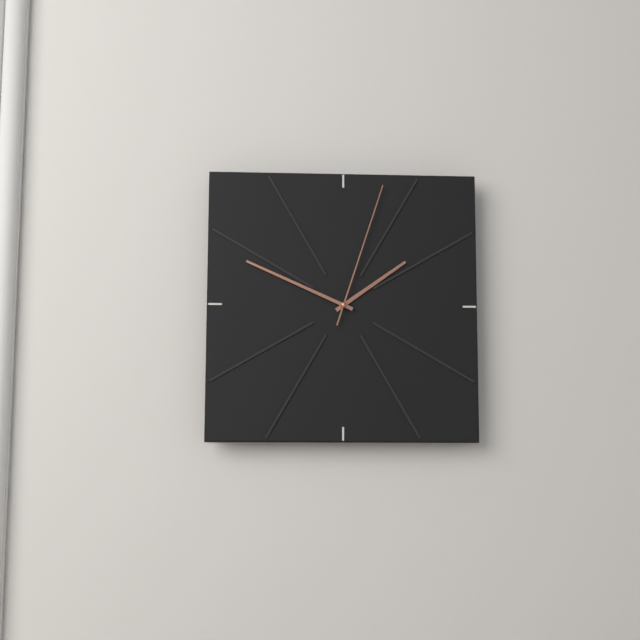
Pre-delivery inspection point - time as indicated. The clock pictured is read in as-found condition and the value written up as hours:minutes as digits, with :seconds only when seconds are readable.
1:49:03
